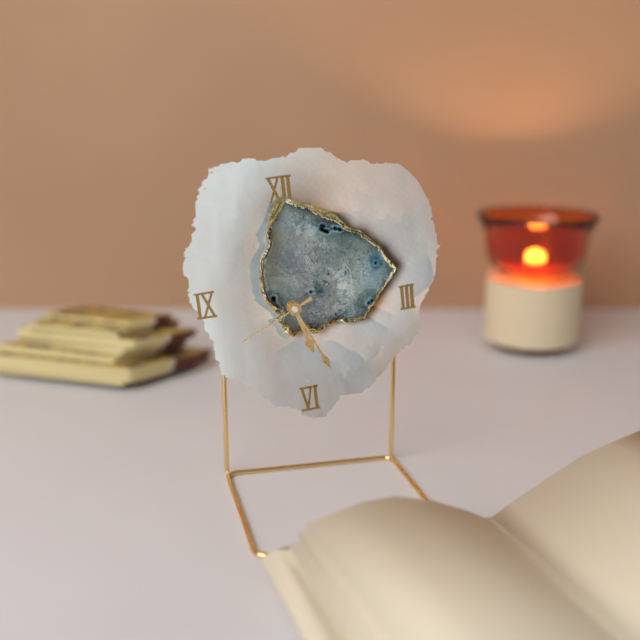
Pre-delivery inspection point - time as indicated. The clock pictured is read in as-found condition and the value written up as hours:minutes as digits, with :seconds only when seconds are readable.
5:26:41
